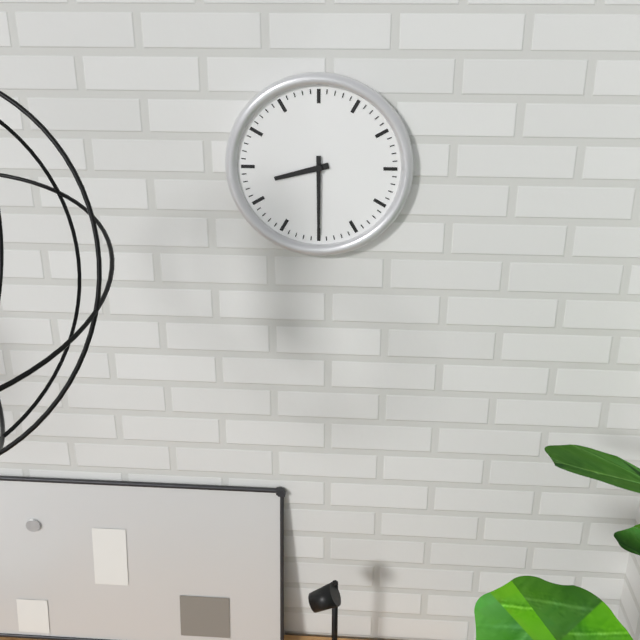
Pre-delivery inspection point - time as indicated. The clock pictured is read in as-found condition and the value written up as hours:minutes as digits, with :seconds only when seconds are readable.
8:30
